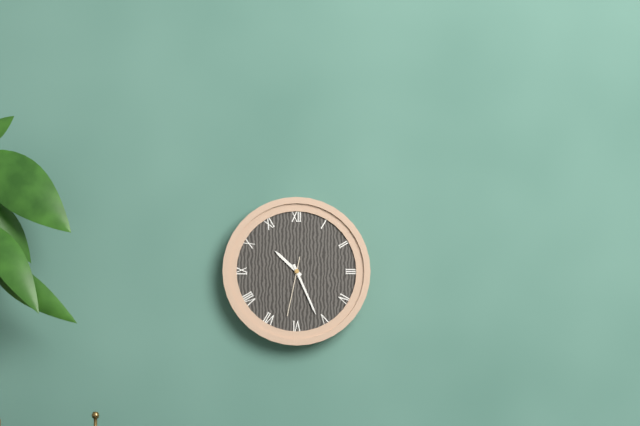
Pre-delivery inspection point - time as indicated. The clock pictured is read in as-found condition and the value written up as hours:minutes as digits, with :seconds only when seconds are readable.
10:26:32
